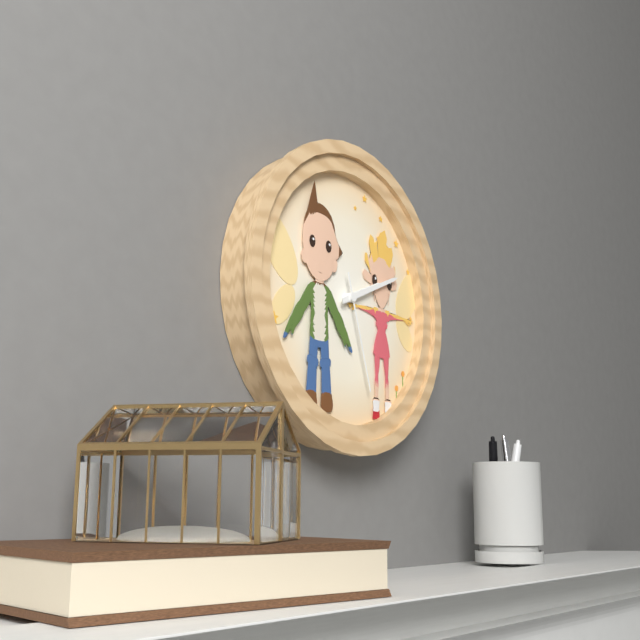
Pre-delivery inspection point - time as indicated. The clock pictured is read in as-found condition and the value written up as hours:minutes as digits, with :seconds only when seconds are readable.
2:11:27
